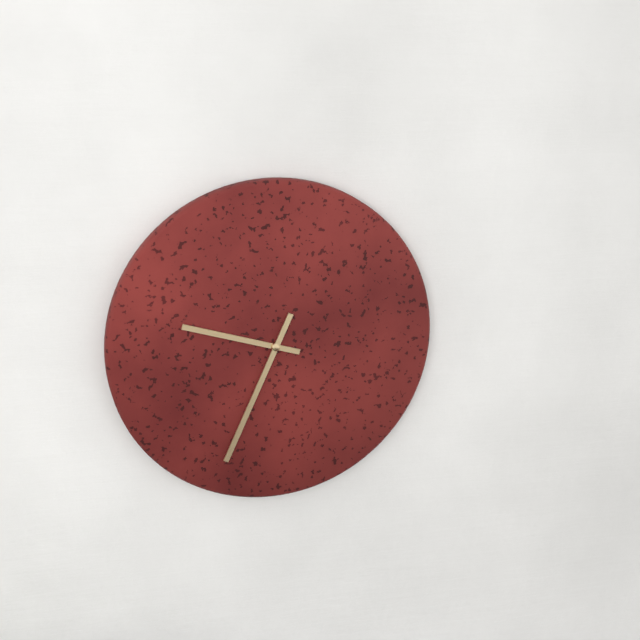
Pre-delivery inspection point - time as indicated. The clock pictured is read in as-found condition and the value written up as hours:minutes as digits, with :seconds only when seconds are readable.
9:34
